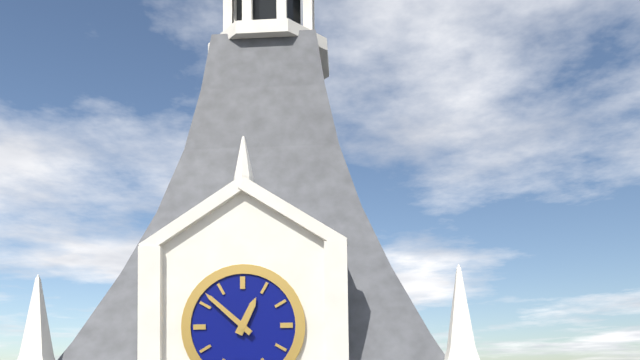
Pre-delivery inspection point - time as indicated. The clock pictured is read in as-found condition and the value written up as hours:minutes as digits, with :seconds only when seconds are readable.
12:52
